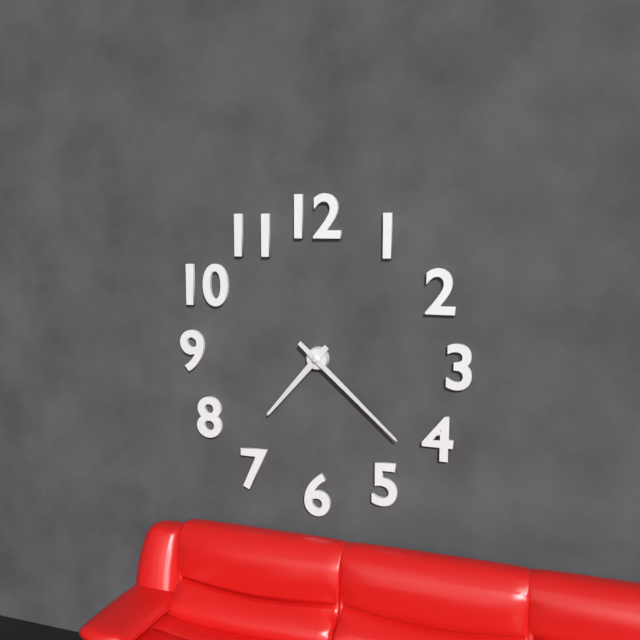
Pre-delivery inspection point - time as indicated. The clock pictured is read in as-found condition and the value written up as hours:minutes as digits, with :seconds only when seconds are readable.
7:22
